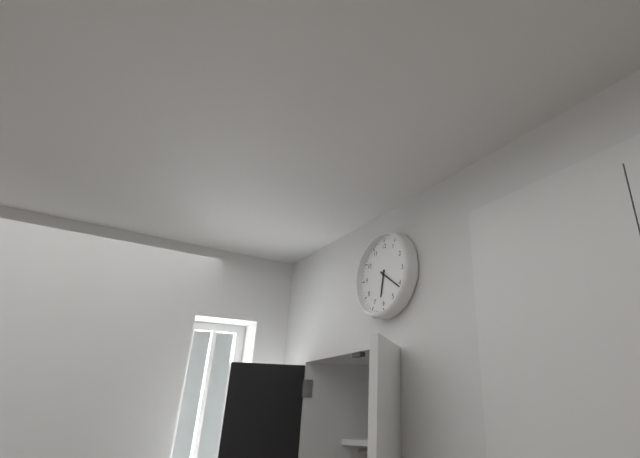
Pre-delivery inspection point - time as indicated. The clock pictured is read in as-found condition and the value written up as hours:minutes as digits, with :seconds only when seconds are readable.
6:21
